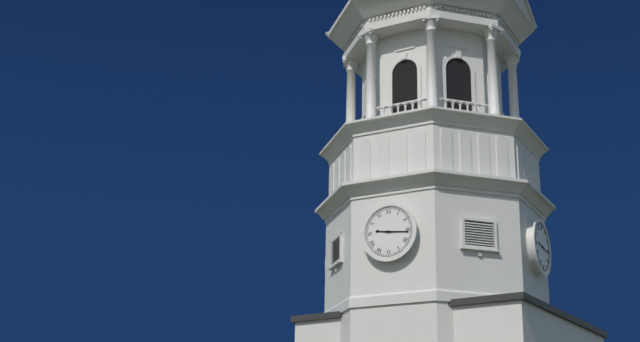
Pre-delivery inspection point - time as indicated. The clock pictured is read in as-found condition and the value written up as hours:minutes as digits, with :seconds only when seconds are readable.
9:16
